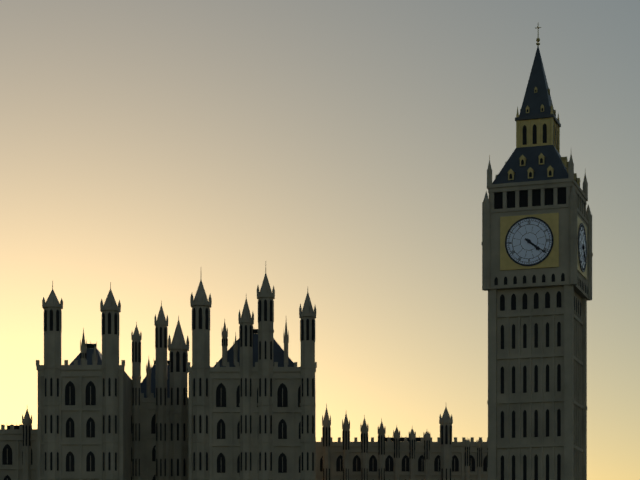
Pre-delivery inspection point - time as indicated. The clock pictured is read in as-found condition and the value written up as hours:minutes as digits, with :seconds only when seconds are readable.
4:21
